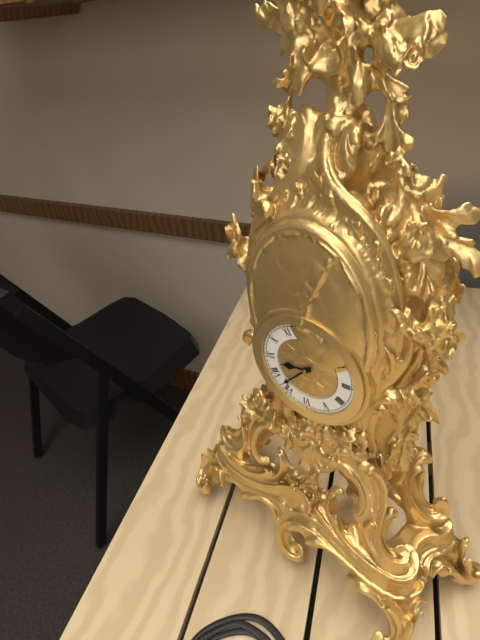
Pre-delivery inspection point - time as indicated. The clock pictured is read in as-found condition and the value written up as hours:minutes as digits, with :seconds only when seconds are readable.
8:37
